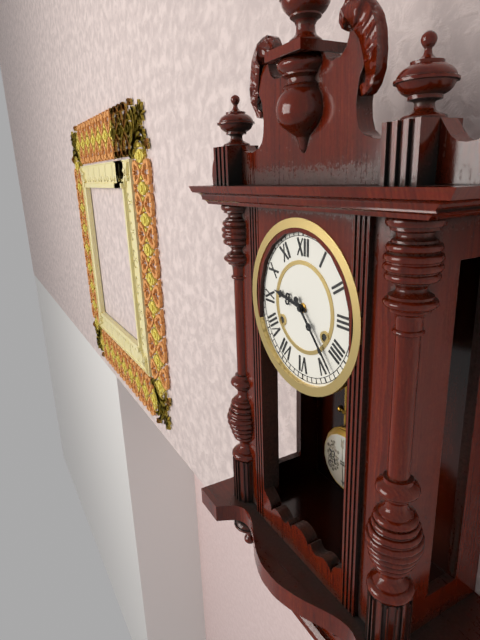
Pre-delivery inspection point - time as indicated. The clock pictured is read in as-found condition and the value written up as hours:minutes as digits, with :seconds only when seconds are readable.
9:23
